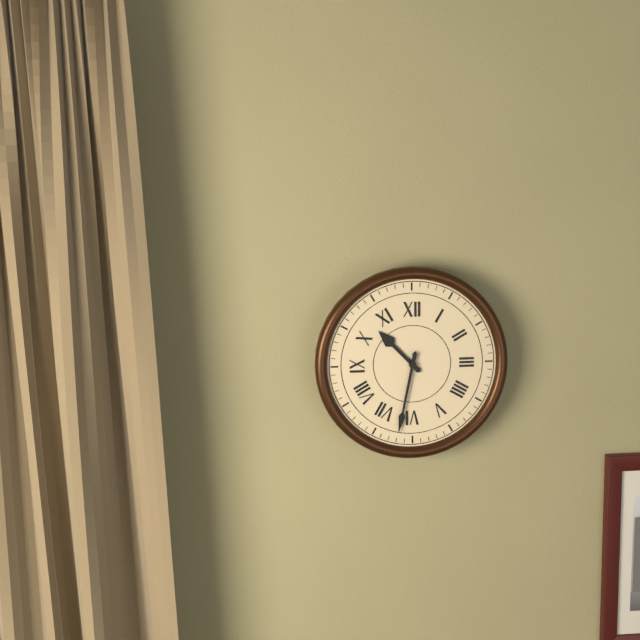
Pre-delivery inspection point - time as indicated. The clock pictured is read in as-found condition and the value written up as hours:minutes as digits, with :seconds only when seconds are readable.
10:32
